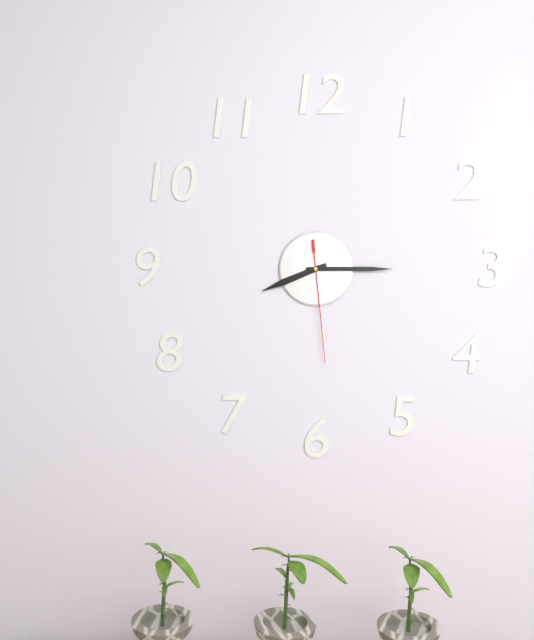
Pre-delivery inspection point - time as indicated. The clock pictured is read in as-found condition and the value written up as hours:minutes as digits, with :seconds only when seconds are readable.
8:15:29
